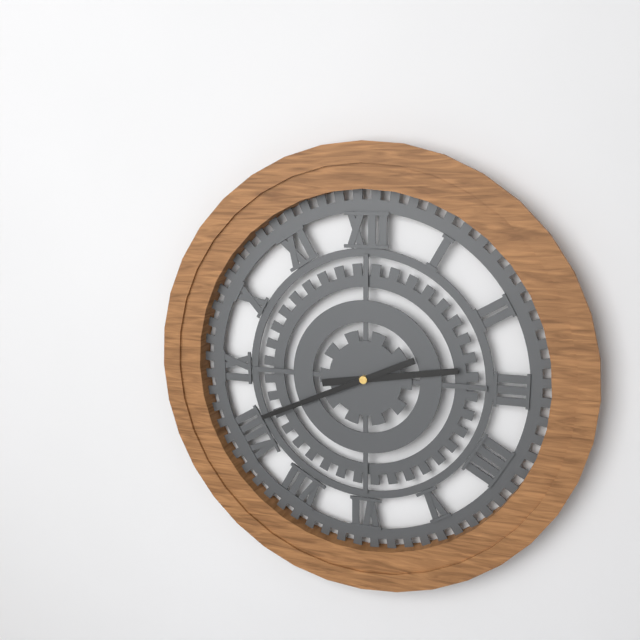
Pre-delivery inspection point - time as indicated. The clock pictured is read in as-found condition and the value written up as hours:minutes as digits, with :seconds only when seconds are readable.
2:41
